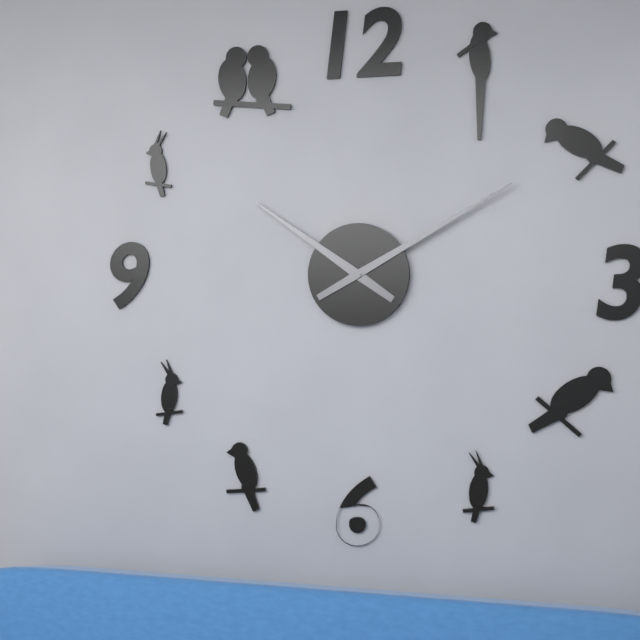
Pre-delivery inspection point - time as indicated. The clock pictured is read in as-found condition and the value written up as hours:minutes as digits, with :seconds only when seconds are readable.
10:10
